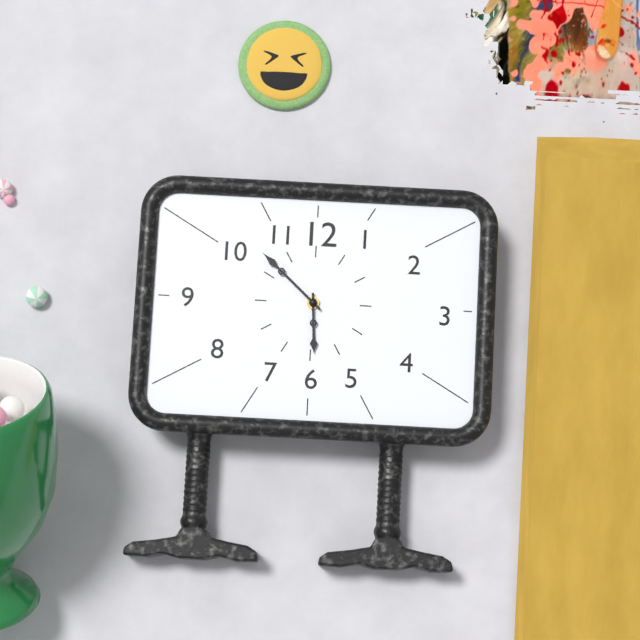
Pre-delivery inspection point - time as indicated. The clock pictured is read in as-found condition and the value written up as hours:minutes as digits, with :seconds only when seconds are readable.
5:52
